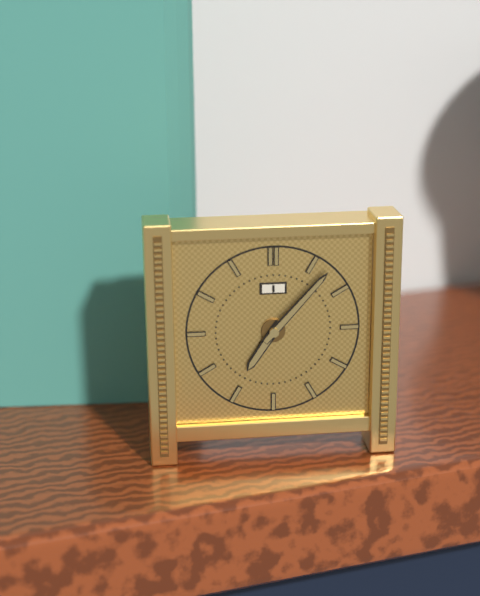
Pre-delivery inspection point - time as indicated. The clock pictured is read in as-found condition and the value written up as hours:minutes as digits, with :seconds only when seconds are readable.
7:07
